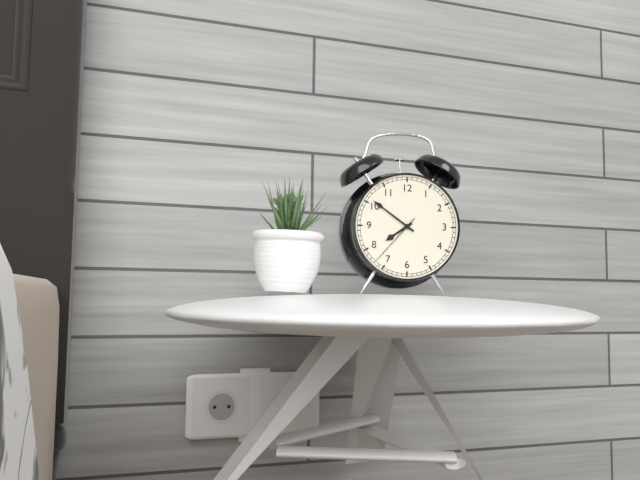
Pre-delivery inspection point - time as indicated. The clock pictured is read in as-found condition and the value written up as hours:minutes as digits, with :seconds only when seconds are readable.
7:51:37
